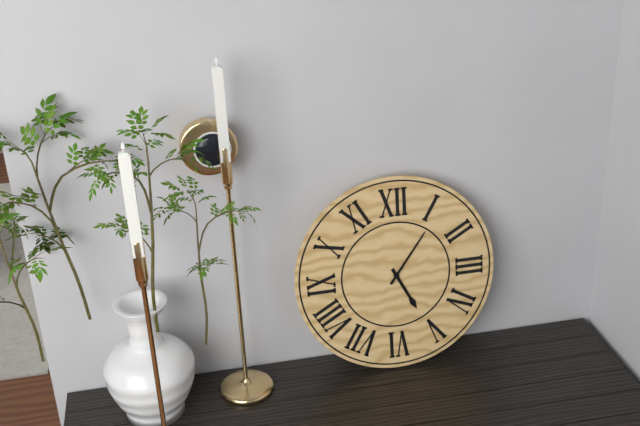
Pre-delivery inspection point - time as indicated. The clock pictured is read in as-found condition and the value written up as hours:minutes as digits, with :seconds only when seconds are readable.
5:06
